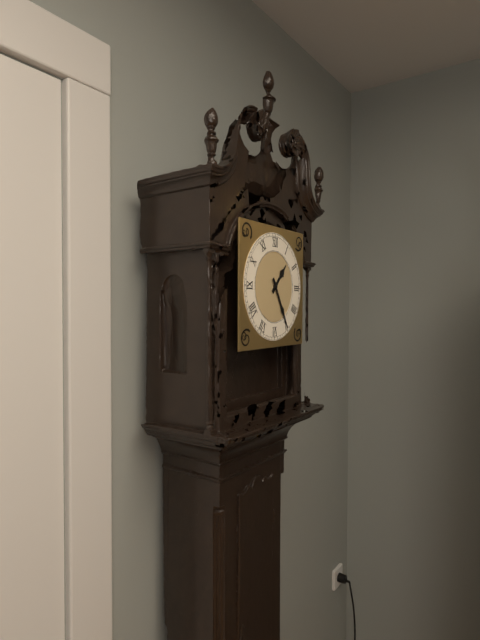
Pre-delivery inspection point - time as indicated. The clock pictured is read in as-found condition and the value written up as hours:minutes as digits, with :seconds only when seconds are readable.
1:25
